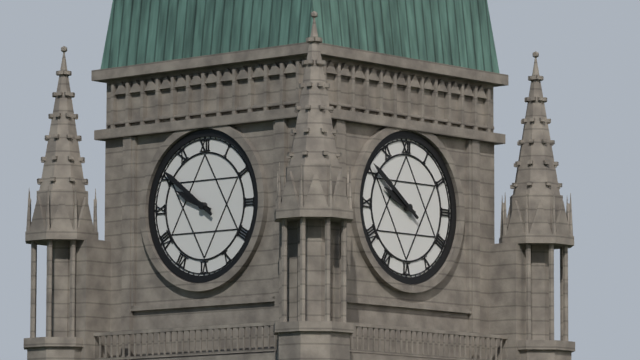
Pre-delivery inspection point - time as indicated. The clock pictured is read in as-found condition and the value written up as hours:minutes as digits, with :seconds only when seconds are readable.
9:51
